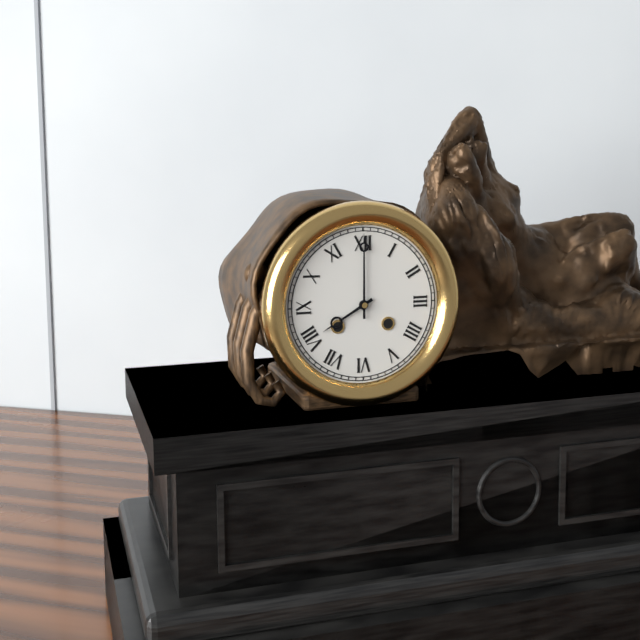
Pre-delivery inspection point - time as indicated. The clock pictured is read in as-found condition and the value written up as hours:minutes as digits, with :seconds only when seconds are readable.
8:00
